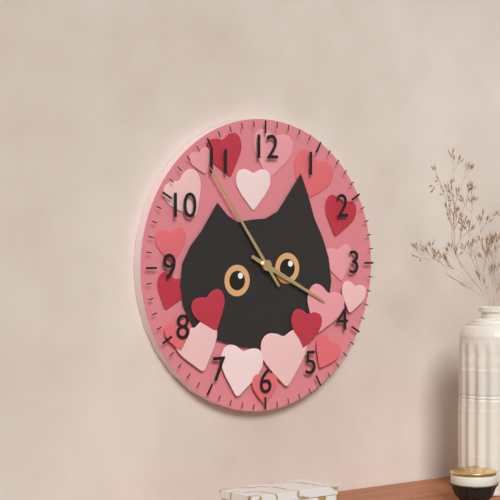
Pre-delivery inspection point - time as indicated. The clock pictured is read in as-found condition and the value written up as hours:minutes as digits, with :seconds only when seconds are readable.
3:54
